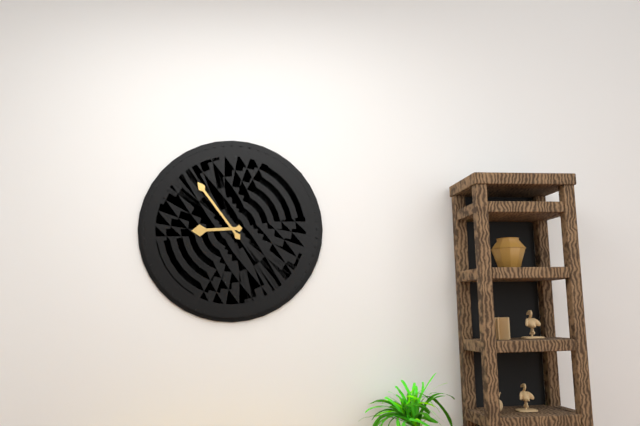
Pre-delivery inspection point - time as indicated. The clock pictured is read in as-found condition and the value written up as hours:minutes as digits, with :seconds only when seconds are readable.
8:54
